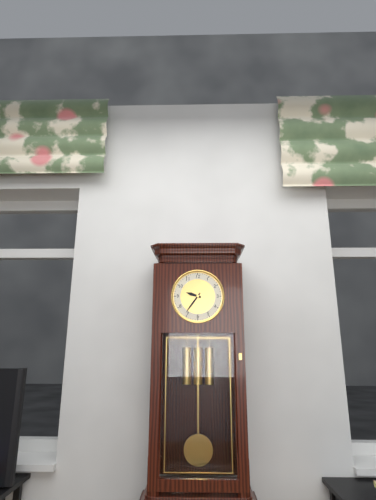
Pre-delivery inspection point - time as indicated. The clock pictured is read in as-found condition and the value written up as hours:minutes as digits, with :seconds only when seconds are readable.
9:36
